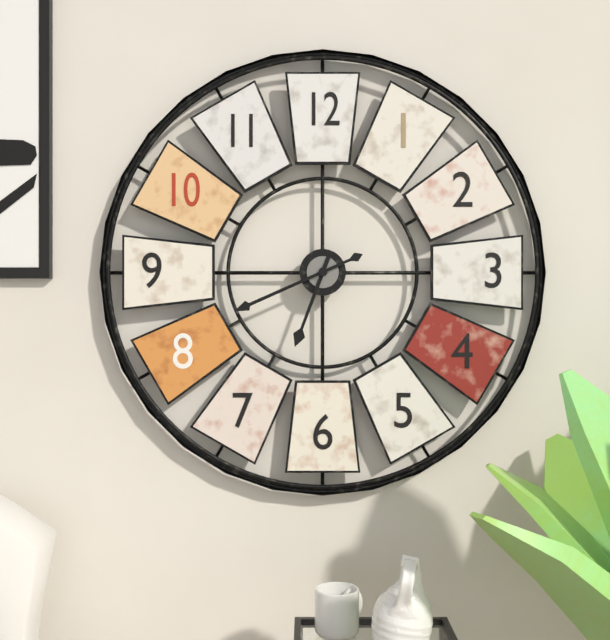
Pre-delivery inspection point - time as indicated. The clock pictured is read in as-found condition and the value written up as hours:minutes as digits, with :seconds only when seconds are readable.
6:41
